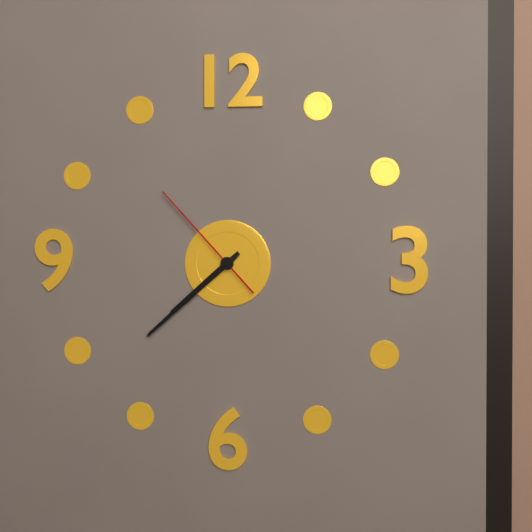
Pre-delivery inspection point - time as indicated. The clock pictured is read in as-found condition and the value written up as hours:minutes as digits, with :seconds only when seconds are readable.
7:38:53
